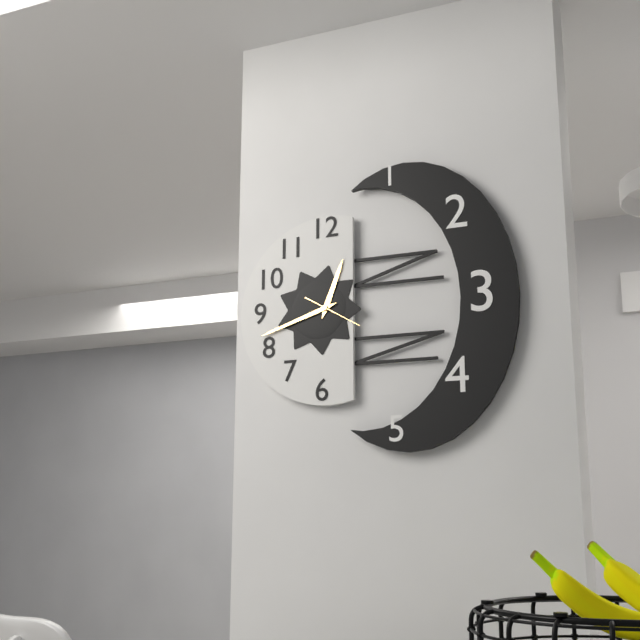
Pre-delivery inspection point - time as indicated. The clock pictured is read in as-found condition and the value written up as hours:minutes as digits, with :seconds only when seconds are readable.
12:42
